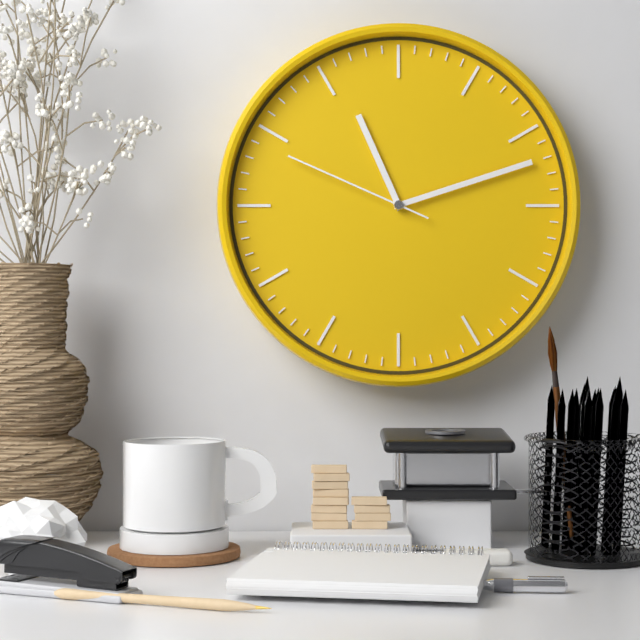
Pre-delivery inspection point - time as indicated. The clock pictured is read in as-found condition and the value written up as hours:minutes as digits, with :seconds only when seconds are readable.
11:12:49
